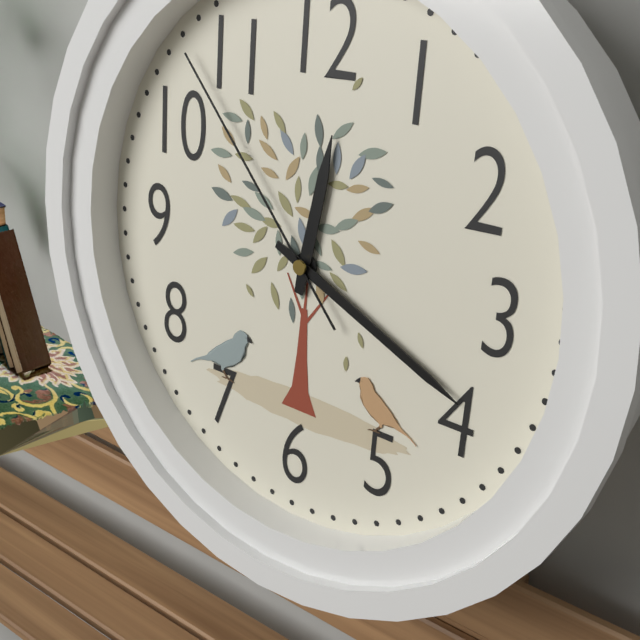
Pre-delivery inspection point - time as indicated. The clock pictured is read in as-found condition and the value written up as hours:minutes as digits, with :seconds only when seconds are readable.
12:19:53
